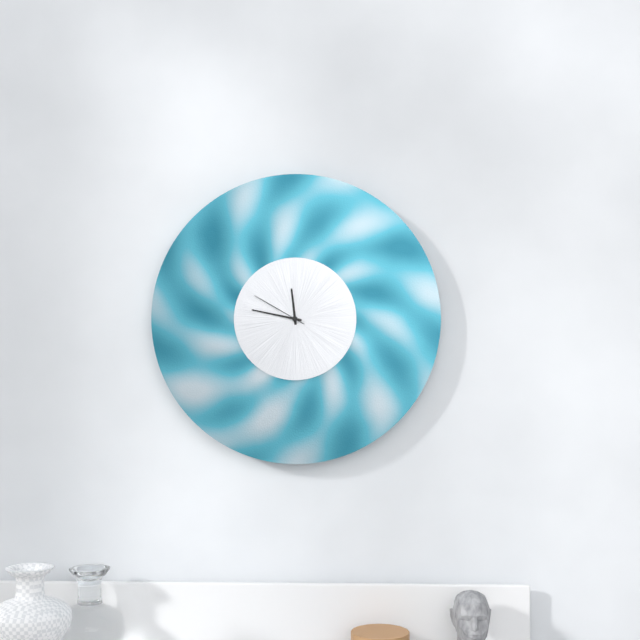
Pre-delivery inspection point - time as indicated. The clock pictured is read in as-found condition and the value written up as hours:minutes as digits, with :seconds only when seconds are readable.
11:47:50
